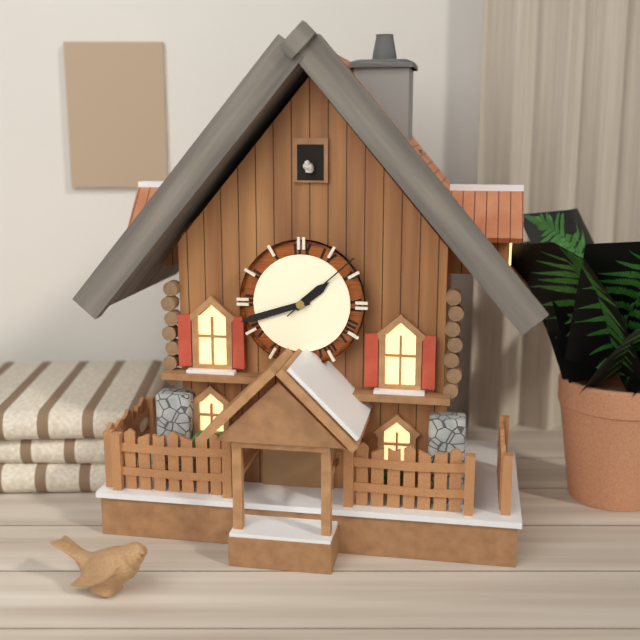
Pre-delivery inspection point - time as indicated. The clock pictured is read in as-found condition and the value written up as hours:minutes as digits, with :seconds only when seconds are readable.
1:42:08
